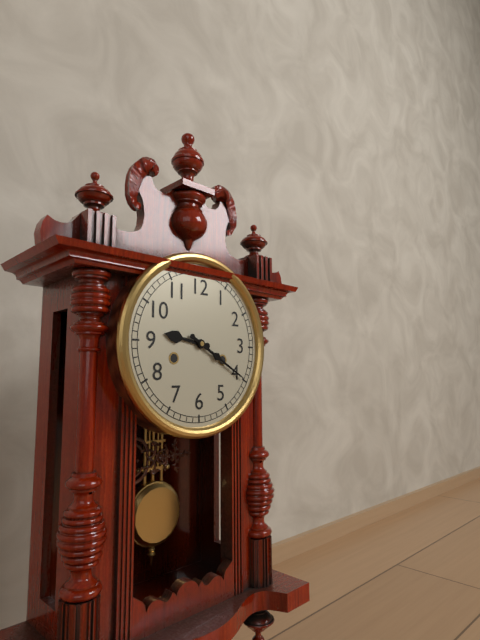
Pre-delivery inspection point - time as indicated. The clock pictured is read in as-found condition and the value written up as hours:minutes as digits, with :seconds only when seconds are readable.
9:20
